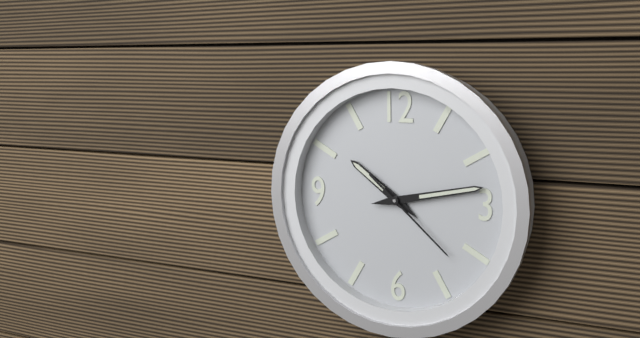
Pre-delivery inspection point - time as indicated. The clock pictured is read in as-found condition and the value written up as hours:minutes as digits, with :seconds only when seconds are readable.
10:13:22
